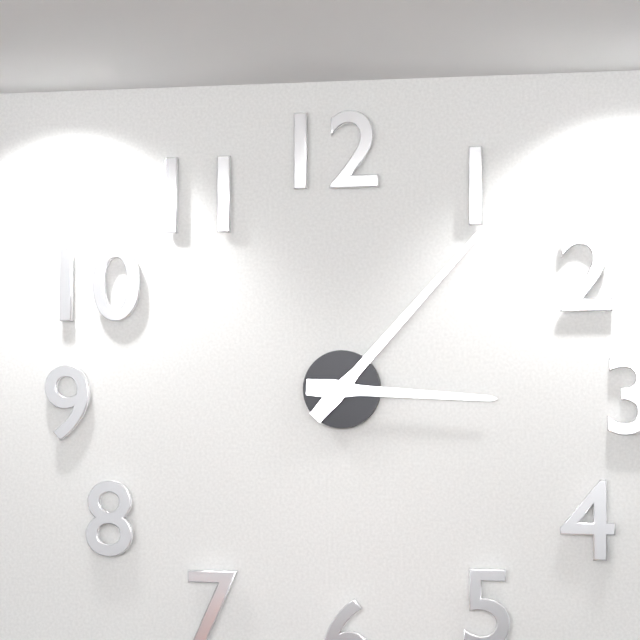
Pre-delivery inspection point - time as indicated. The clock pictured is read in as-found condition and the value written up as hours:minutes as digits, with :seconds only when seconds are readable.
3:07
